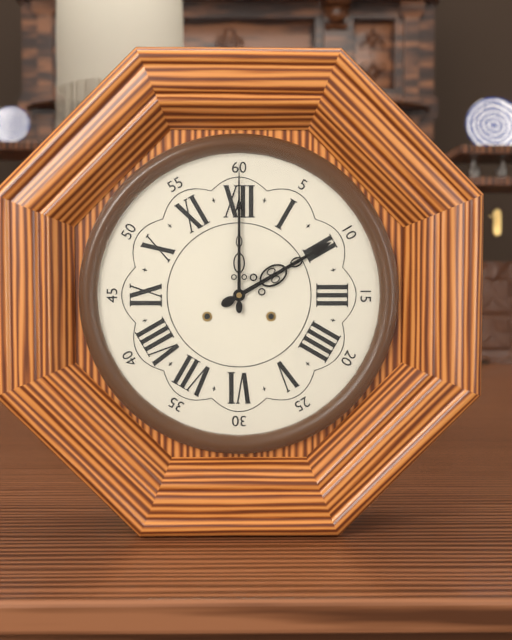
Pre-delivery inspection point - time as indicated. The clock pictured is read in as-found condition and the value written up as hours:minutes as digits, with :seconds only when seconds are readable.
2:00
